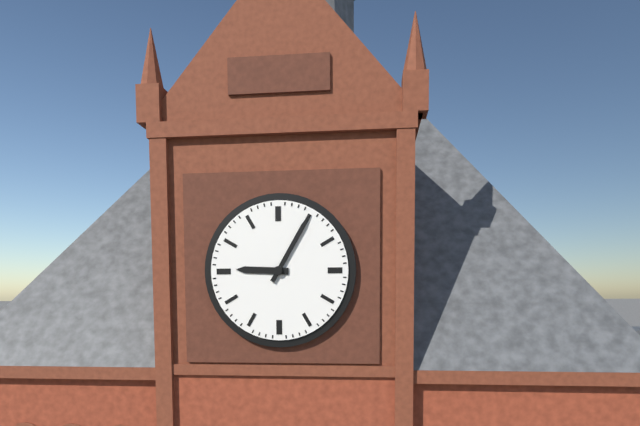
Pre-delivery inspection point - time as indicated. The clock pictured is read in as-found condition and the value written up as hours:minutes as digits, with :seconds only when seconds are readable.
9:05
